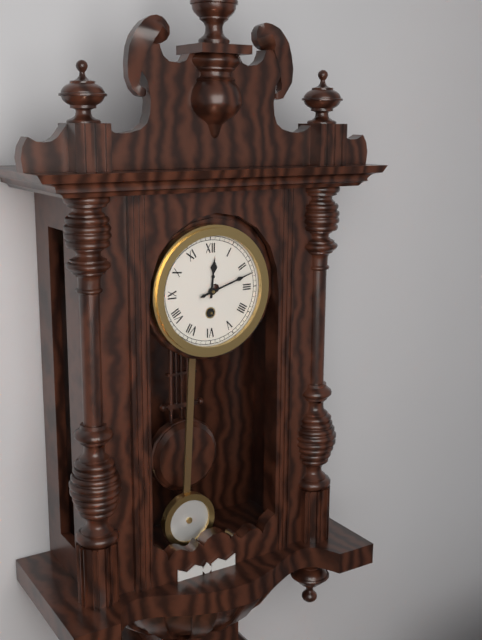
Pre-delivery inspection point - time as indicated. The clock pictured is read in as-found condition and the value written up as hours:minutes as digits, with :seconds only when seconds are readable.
12:12
